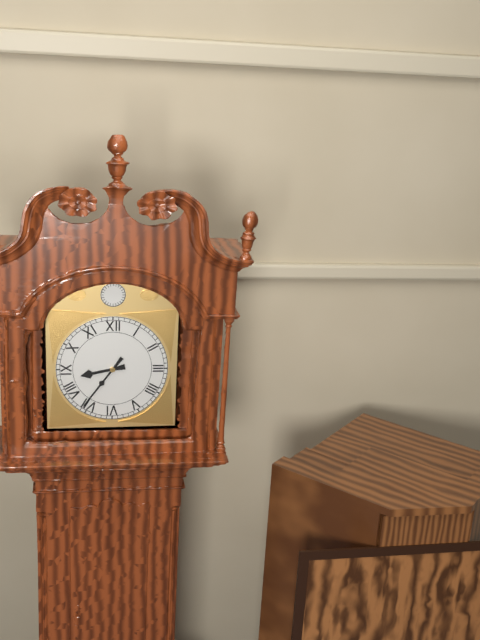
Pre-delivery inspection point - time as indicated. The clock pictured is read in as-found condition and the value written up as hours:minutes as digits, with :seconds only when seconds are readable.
8:36
